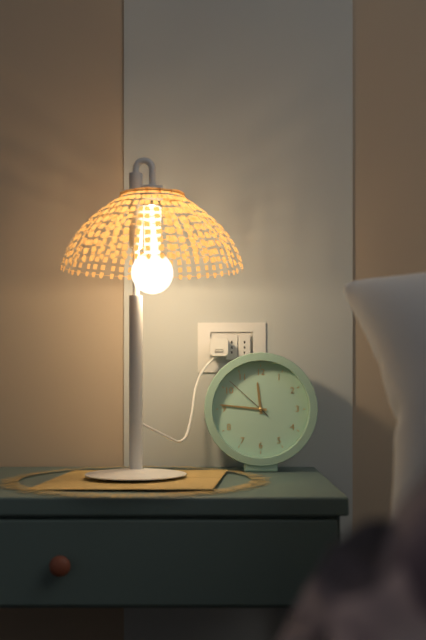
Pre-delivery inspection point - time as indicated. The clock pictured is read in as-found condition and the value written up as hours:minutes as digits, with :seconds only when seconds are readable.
11:46:52
